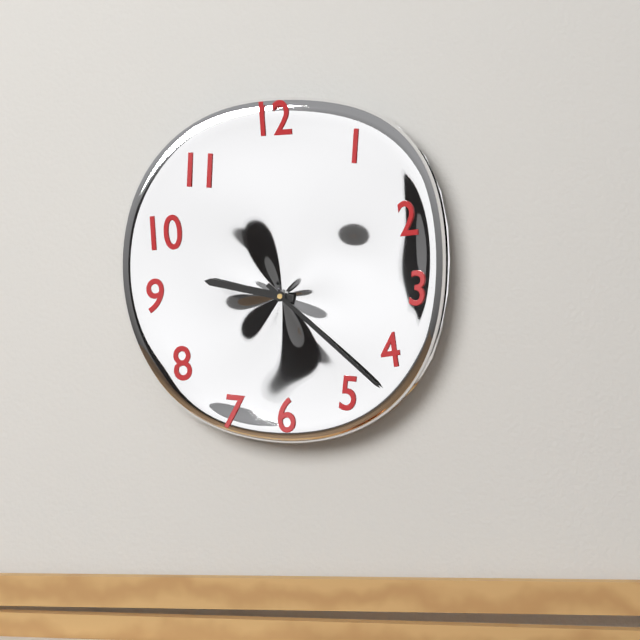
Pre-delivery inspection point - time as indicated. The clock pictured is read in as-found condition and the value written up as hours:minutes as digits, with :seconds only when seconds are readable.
9:22
